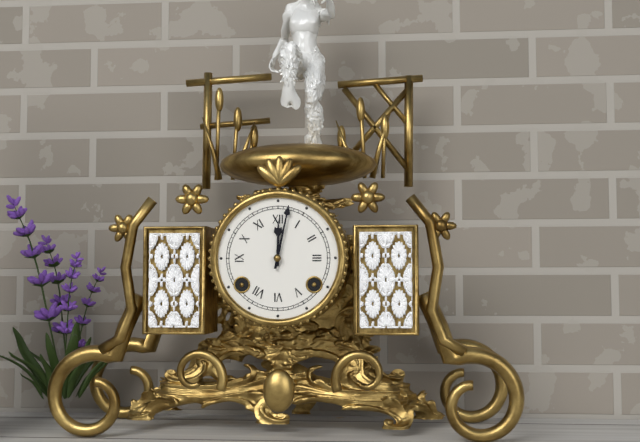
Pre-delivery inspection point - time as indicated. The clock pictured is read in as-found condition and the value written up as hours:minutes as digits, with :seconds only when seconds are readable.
12:02
